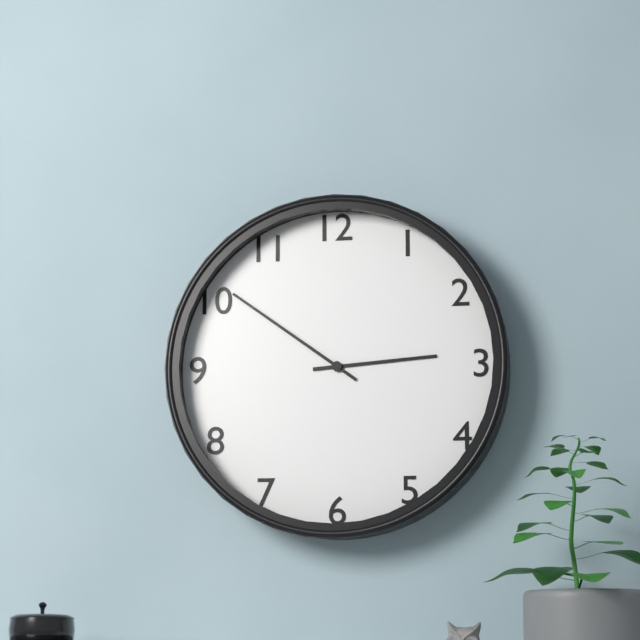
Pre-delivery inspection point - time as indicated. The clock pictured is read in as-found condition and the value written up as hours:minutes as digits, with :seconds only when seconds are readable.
2:51
